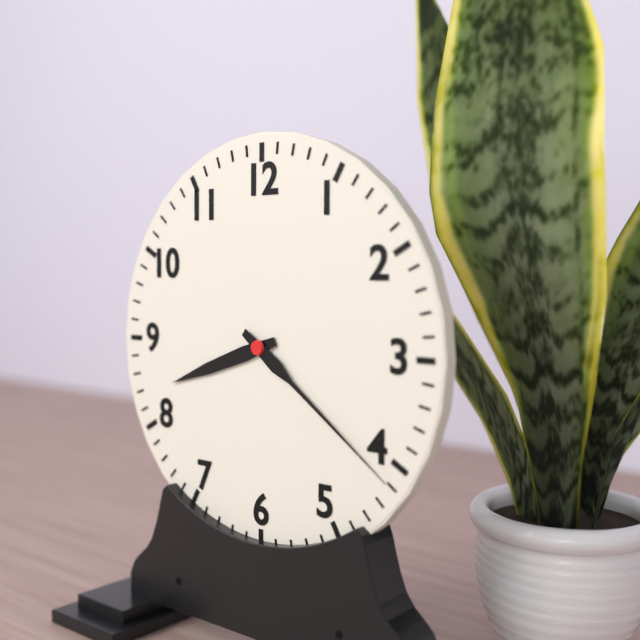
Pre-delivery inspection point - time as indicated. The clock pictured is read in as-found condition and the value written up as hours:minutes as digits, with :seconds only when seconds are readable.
8:21
